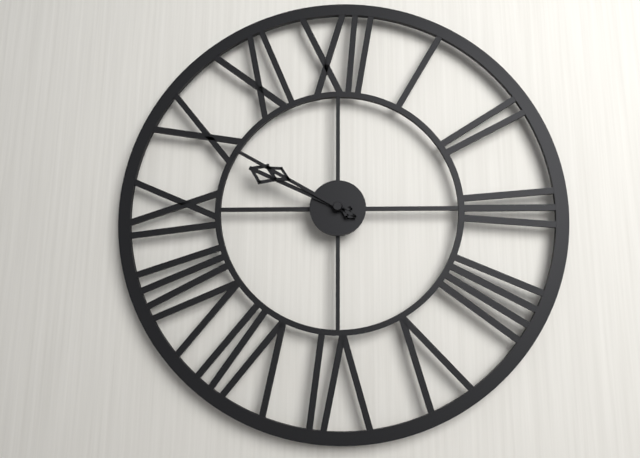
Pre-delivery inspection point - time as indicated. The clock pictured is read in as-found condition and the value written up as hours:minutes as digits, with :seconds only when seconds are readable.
9:50
